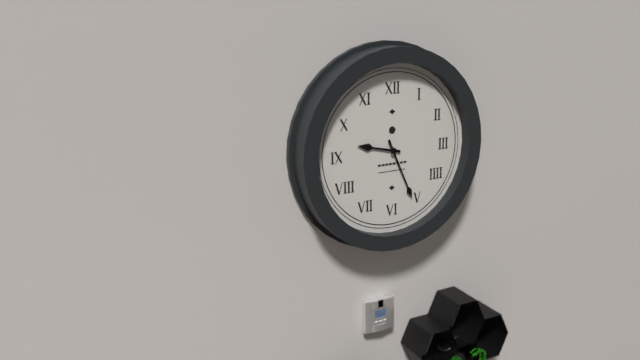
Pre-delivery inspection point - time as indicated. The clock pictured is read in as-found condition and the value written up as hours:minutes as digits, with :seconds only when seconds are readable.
9:26
